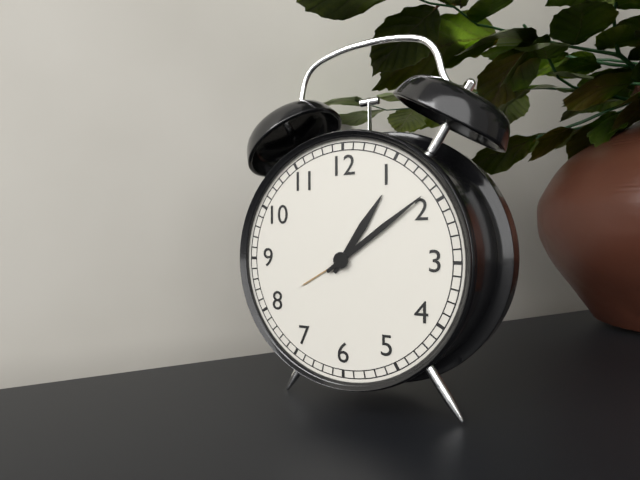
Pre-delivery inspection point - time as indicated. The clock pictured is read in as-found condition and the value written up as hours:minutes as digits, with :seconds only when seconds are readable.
1:09
